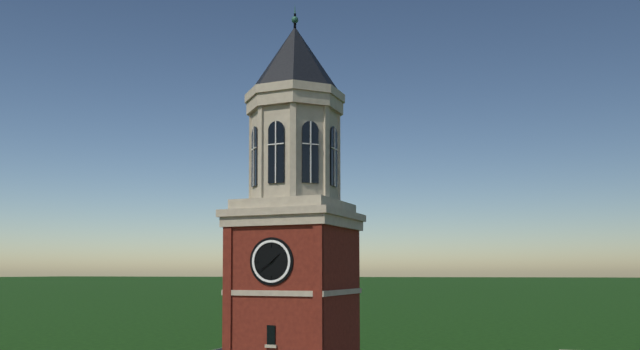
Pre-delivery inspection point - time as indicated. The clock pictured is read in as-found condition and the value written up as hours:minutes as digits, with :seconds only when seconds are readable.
1:39
